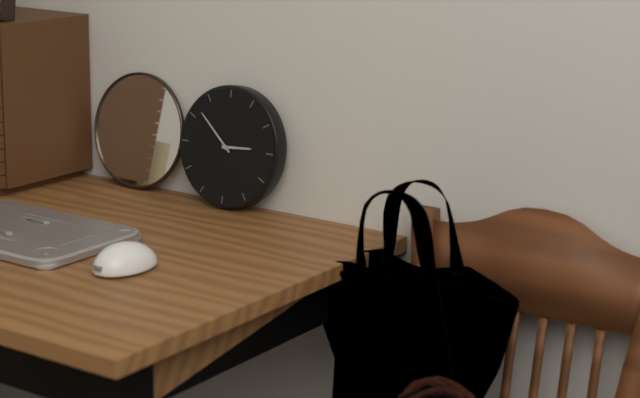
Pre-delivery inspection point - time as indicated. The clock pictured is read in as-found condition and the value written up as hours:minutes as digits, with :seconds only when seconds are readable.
2:52
